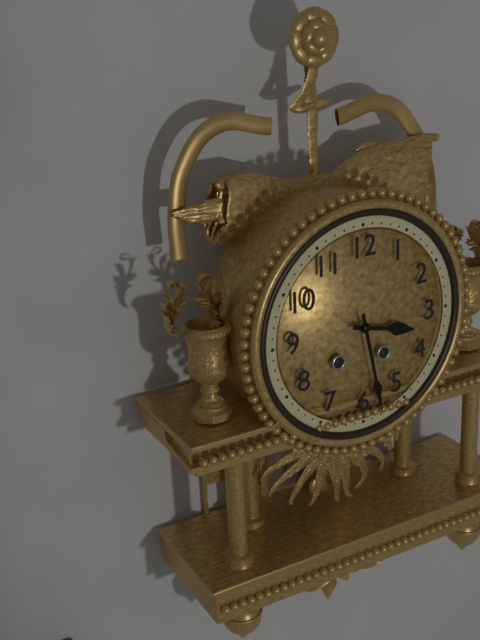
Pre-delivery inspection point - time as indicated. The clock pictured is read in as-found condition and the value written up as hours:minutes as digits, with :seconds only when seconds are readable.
3:28
